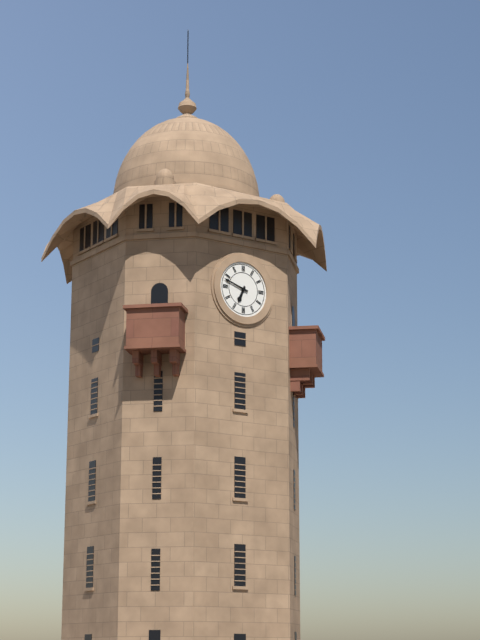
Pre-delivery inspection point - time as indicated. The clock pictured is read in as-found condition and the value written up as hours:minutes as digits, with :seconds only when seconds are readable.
6:48
